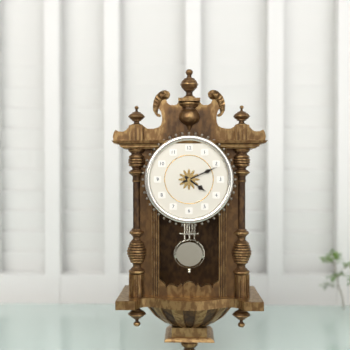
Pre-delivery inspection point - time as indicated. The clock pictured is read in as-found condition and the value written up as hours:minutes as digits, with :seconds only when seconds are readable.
4:11
